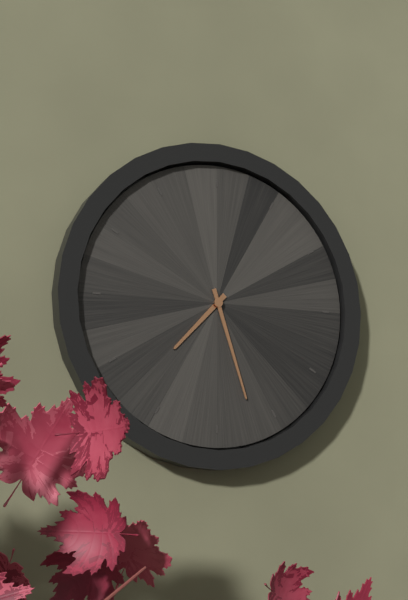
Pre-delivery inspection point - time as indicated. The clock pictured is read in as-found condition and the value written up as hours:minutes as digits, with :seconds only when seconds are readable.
7:27
